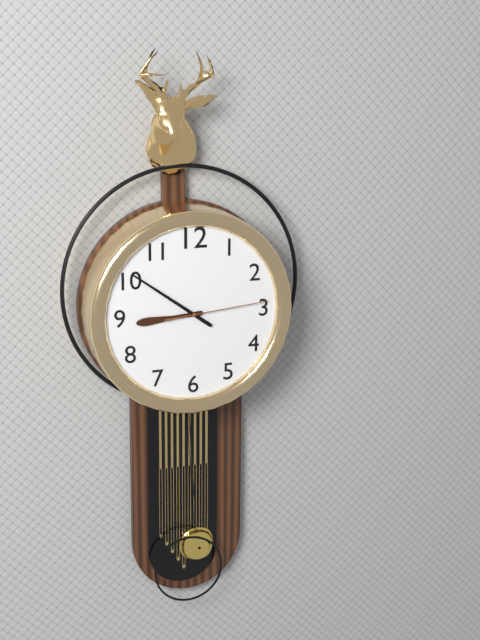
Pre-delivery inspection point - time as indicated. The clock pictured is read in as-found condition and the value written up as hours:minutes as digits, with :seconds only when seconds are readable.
8:51:14
